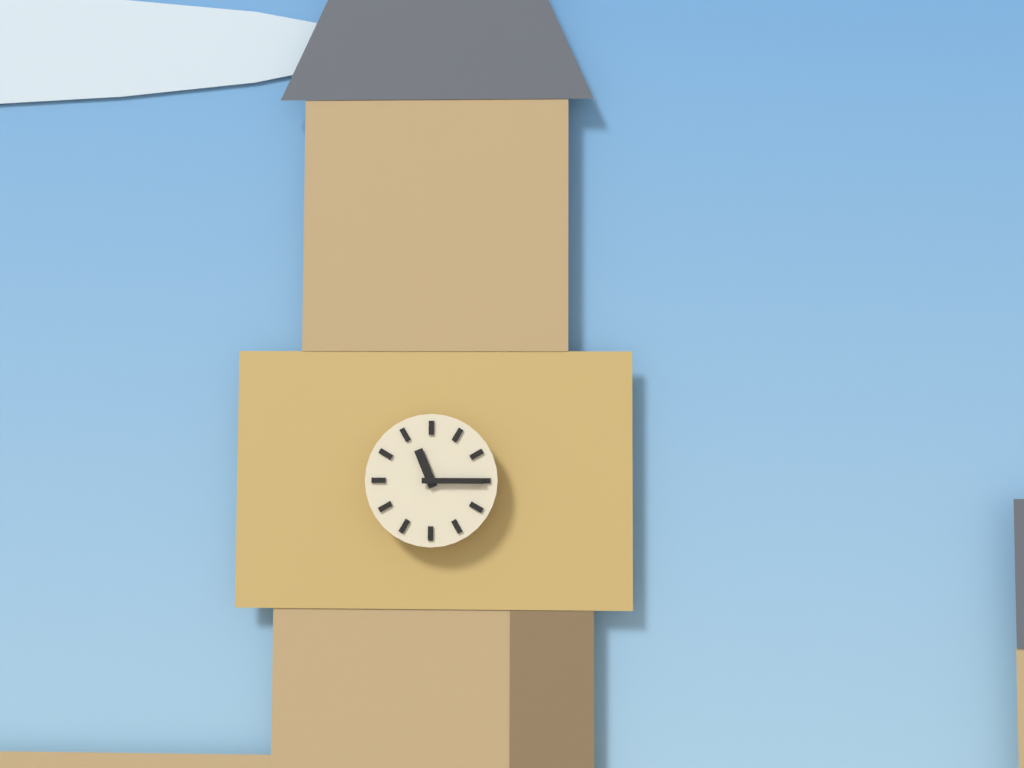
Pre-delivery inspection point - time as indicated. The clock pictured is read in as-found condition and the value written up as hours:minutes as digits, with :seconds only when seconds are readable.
11:15
